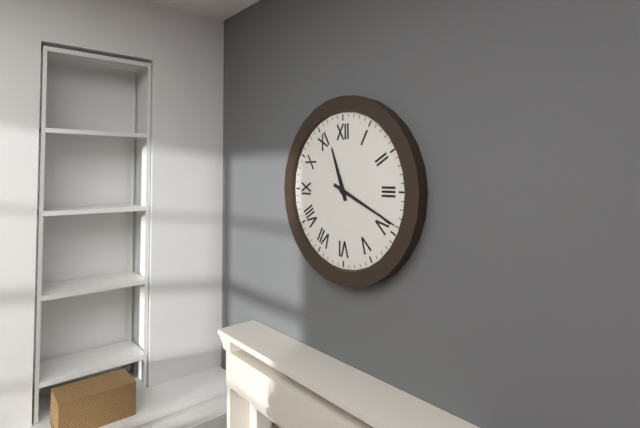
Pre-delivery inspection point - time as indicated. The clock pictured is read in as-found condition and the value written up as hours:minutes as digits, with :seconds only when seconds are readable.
11:19
